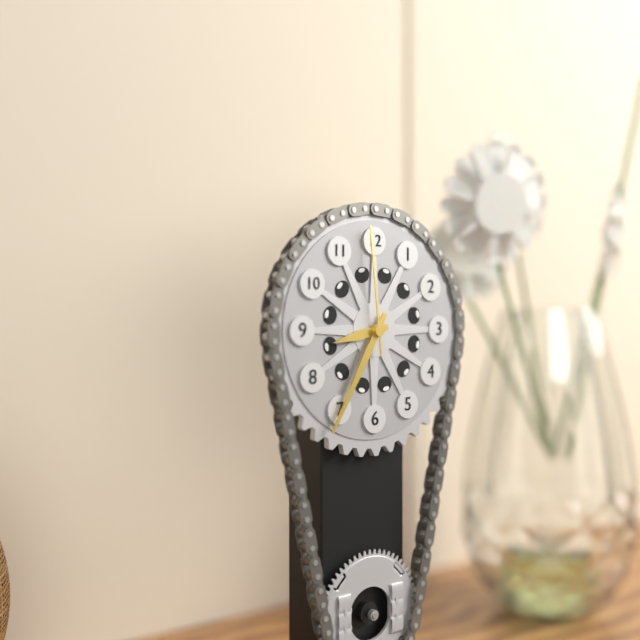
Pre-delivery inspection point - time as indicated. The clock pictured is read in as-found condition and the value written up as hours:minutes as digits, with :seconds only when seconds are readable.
8:35:59
